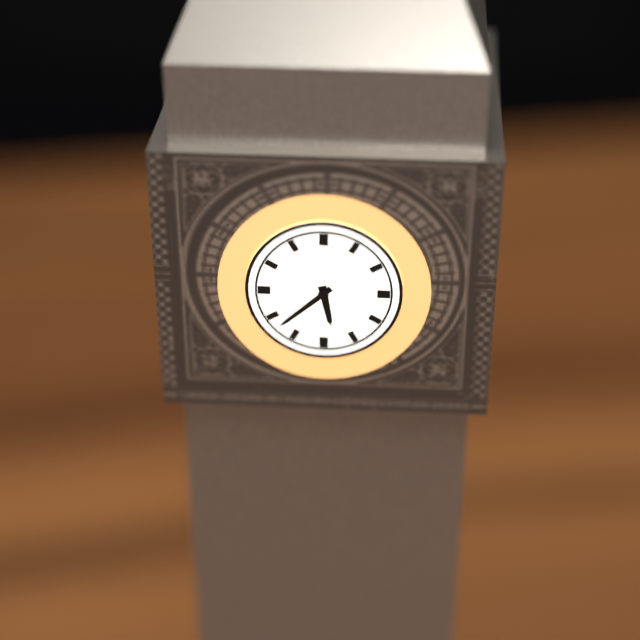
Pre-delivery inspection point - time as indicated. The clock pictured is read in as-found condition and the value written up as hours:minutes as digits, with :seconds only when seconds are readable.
5:38
